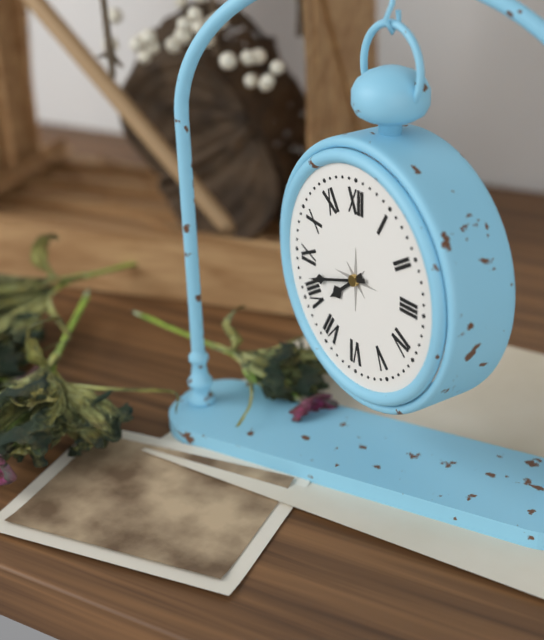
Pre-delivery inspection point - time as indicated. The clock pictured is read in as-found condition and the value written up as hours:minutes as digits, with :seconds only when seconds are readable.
7:42
